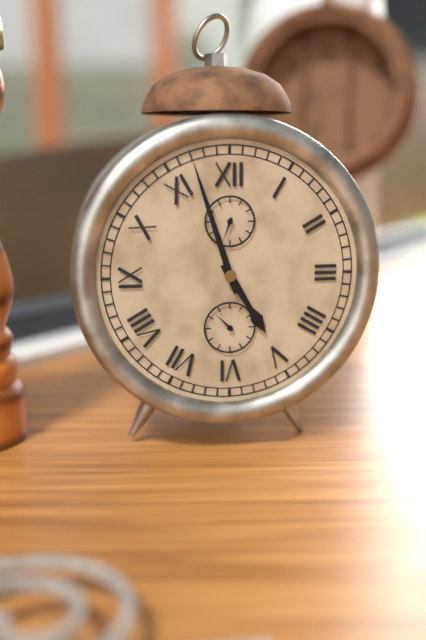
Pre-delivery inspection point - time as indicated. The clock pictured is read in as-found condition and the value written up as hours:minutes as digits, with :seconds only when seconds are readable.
4:57
